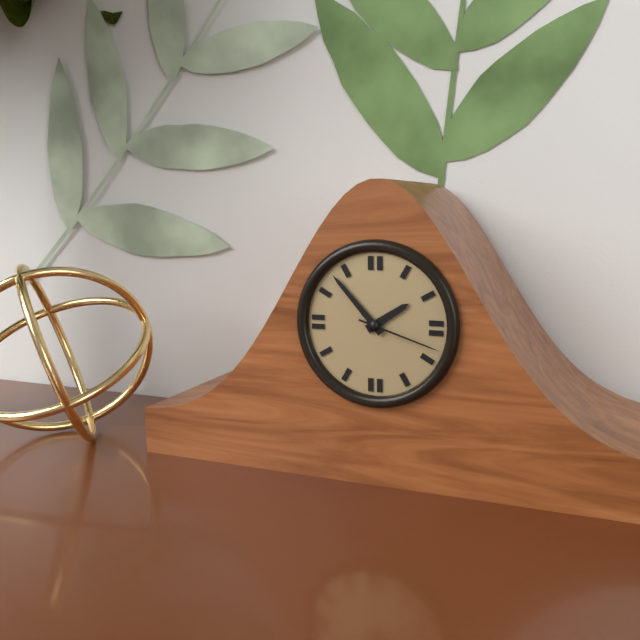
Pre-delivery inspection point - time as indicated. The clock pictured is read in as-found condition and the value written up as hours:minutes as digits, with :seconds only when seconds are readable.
1:53:18
